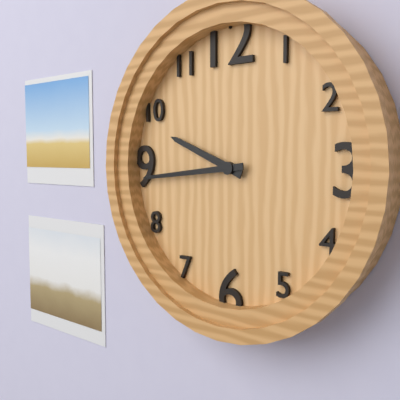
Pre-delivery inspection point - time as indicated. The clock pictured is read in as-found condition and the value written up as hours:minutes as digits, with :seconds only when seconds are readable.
9:44
